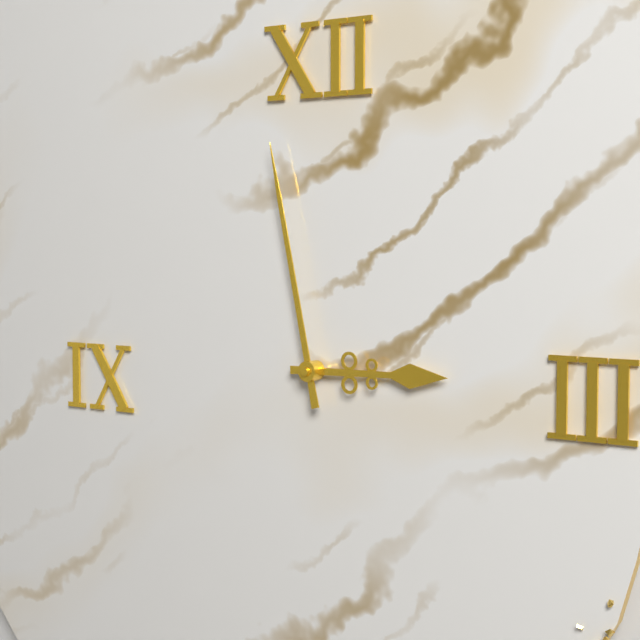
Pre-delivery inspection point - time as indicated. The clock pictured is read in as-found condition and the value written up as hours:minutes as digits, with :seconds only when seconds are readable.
2:58
